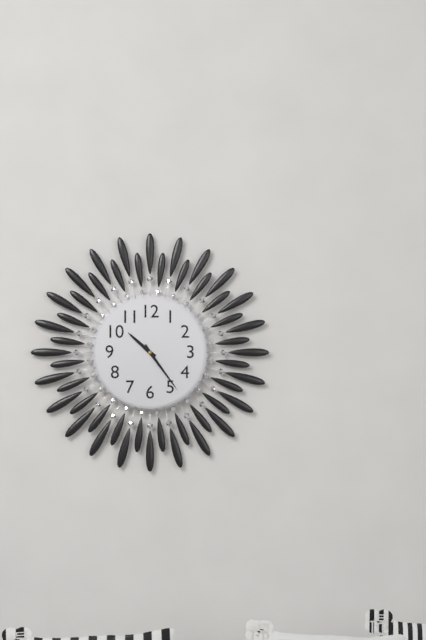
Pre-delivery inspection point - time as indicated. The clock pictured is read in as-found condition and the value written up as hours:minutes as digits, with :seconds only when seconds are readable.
10:24
